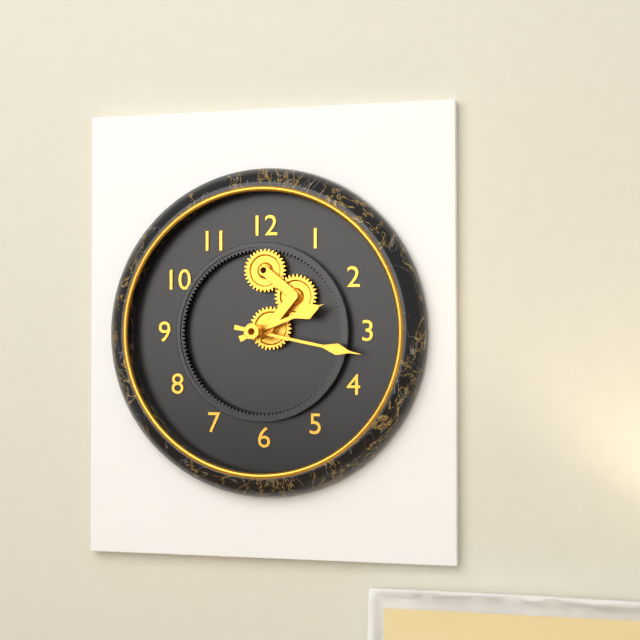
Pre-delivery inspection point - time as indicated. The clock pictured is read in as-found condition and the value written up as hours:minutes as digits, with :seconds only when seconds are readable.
2:17
